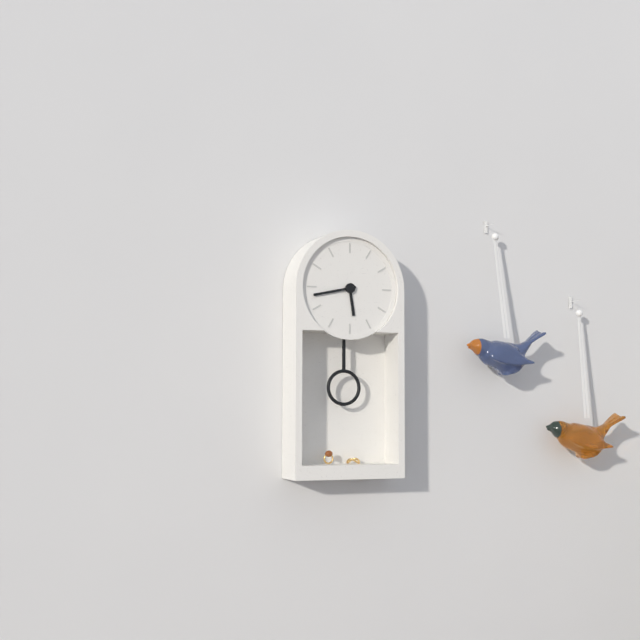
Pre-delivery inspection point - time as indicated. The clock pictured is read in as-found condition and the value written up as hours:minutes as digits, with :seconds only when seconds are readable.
5:43
